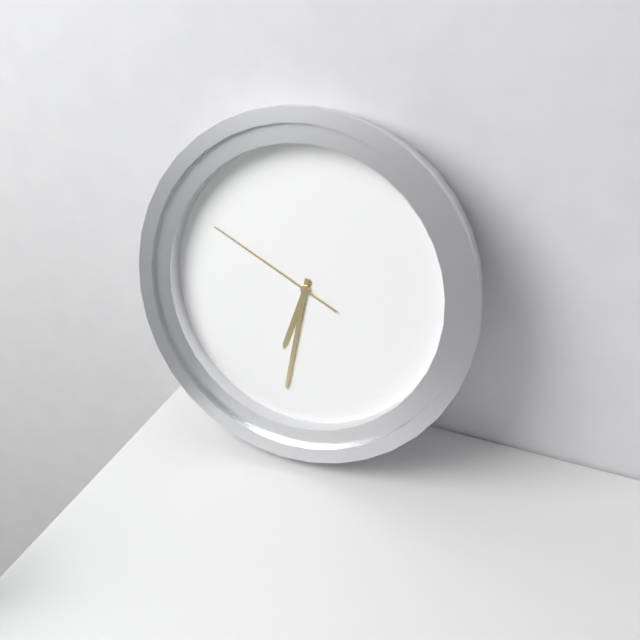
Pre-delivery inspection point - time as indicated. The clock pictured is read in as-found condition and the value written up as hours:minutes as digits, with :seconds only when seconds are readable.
6:31:49
